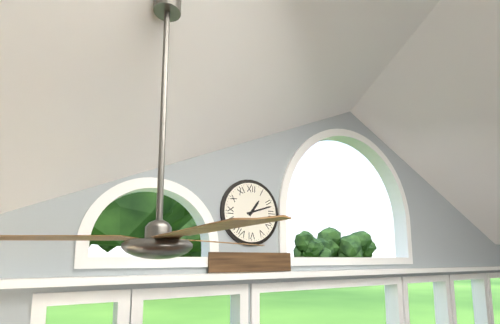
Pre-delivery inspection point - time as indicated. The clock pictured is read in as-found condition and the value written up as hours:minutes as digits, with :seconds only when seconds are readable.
1:12
